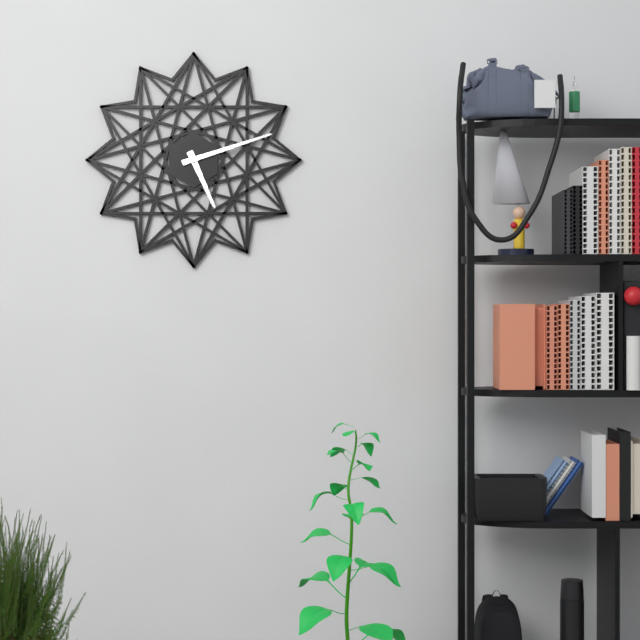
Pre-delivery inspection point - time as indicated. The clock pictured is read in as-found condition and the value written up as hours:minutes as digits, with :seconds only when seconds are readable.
5:12
